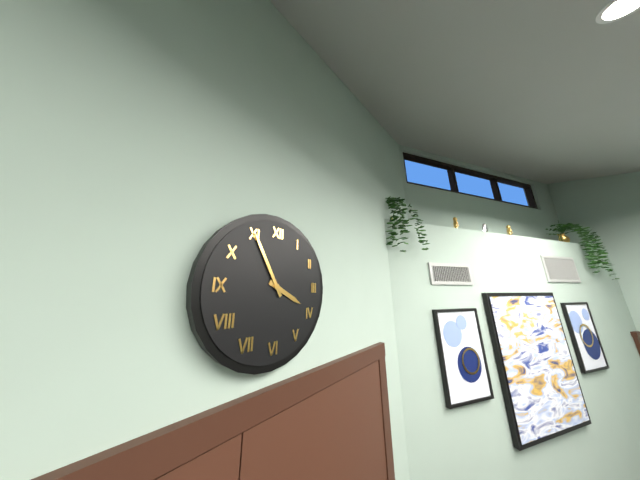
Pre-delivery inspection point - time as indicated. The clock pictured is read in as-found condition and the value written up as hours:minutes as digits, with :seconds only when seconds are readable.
3:55
